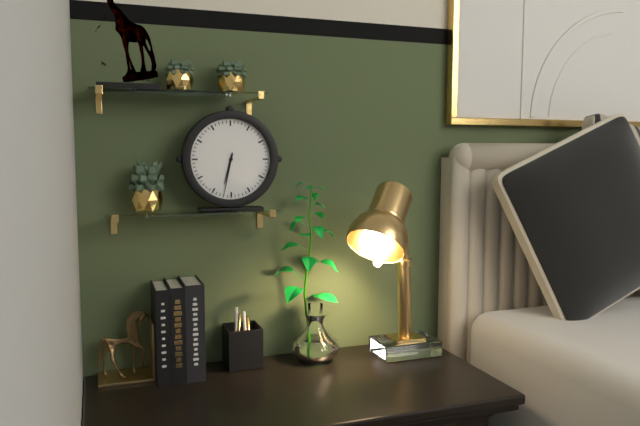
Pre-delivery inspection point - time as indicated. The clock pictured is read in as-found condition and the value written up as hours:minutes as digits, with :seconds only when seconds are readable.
6:32
